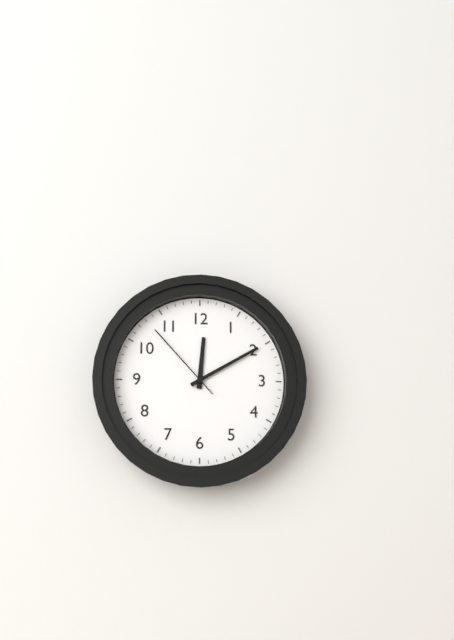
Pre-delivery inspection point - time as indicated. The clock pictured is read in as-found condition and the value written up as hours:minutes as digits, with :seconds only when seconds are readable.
12:10:53
